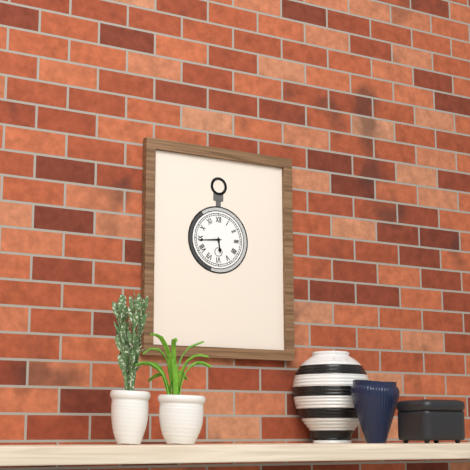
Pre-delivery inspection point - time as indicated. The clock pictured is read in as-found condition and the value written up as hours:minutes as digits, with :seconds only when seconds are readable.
5:44
